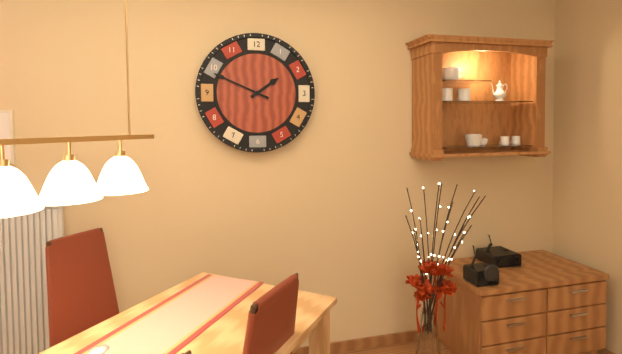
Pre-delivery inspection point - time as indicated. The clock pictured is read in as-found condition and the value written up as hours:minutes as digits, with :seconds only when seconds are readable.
1:49
